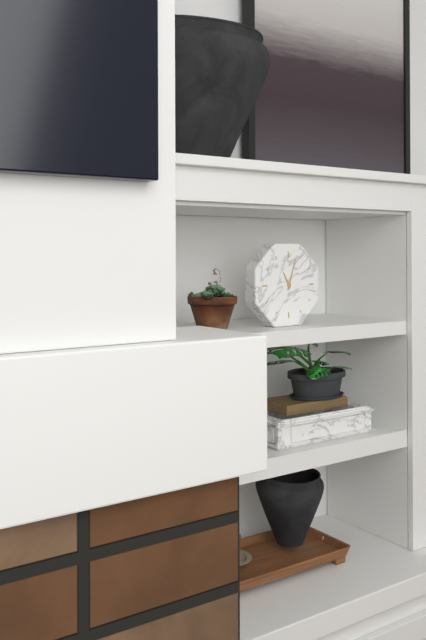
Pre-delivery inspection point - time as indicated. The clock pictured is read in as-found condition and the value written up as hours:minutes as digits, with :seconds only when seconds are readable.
11:03
